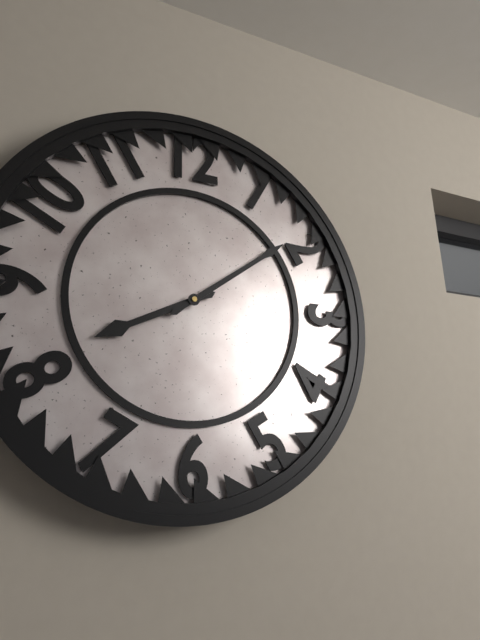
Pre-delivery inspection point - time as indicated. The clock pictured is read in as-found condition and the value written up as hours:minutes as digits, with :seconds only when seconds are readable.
8:09
